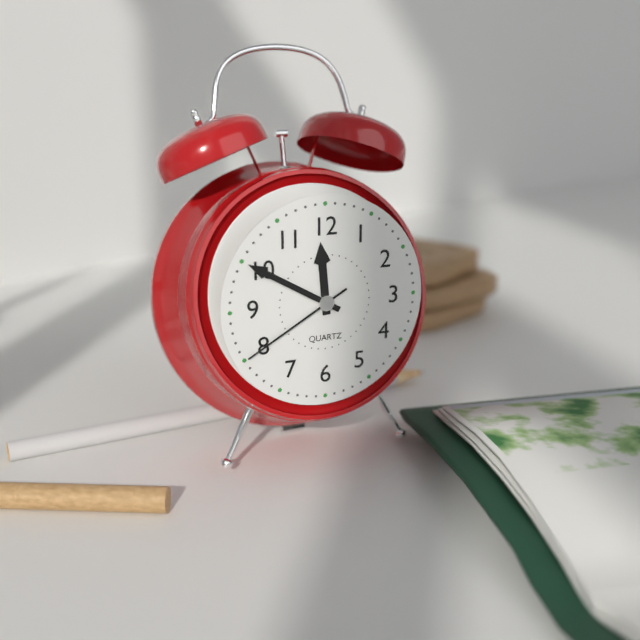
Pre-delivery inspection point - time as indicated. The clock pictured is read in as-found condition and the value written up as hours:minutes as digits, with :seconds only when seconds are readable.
11:50:40
